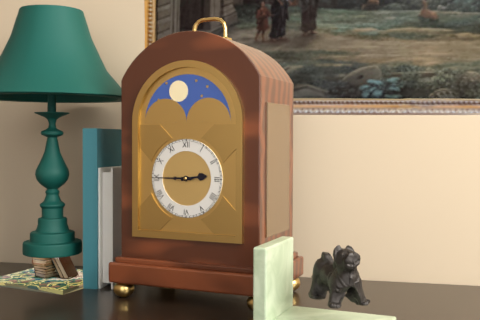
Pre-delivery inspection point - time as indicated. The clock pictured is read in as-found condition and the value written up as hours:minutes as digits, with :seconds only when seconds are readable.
2:45
